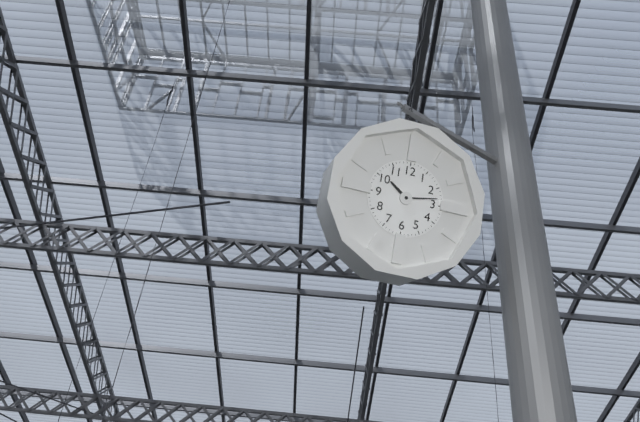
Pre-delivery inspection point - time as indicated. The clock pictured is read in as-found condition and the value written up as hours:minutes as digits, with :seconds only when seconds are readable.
10:13
